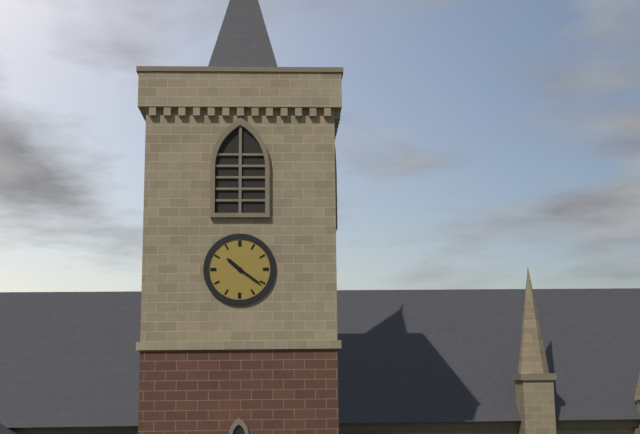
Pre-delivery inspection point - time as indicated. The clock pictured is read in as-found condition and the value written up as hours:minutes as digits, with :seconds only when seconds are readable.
10:21
